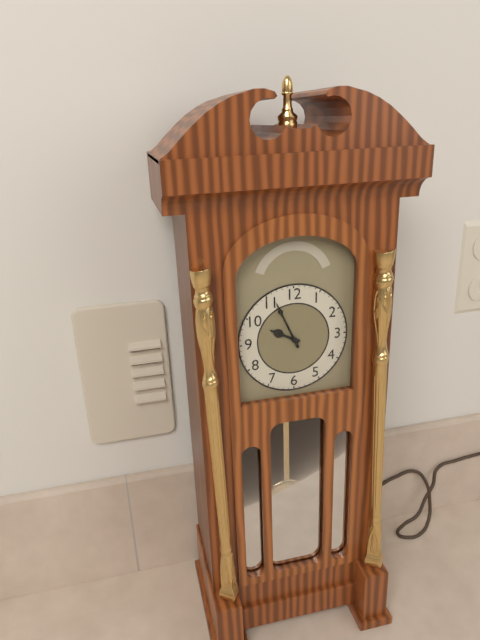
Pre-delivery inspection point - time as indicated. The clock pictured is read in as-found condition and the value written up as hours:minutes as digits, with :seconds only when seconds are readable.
9:56
